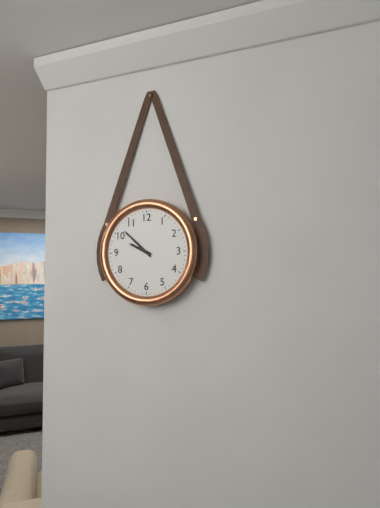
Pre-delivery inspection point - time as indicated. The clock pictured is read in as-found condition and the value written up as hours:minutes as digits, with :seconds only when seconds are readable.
9:52
